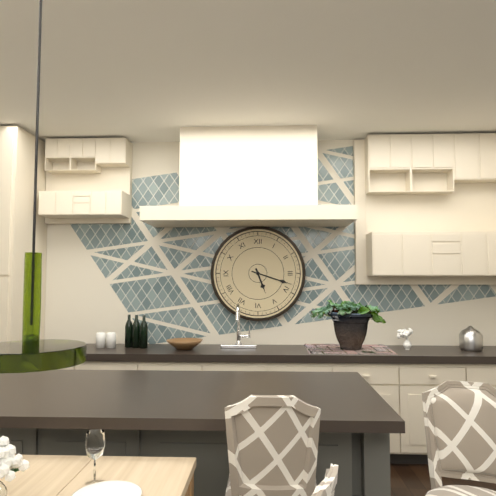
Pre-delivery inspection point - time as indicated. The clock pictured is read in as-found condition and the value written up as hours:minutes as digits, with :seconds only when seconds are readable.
5:18
